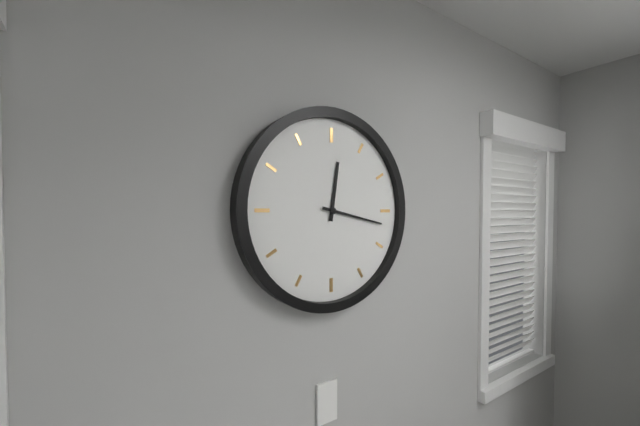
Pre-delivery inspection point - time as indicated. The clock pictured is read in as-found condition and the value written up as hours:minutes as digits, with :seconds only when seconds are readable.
12:17
